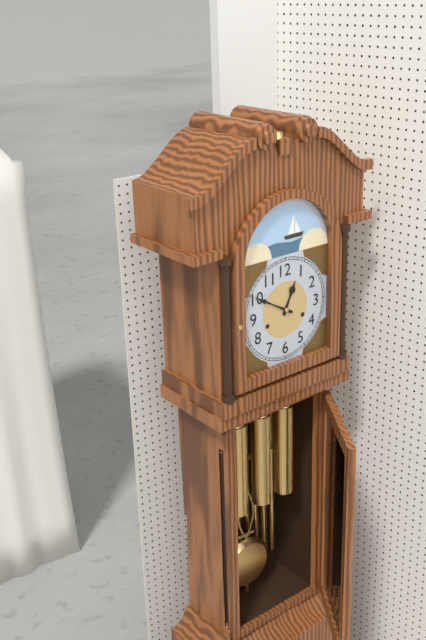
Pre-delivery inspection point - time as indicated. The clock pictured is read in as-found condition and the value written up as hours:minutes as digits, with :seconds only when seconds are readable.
12:50
